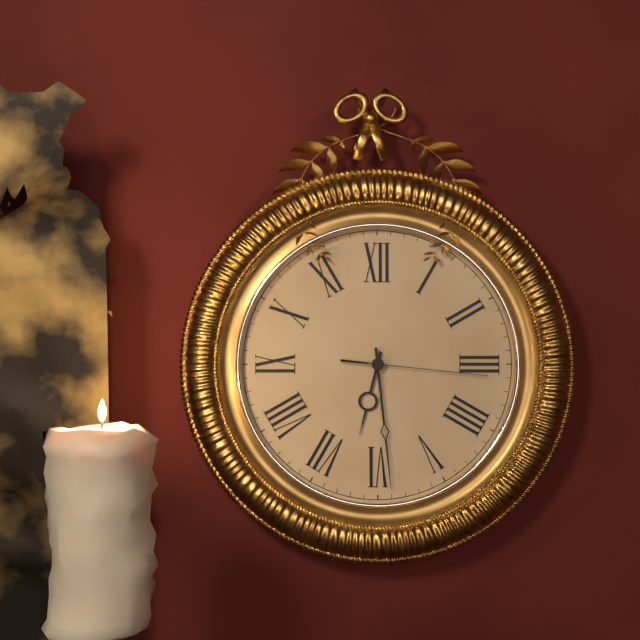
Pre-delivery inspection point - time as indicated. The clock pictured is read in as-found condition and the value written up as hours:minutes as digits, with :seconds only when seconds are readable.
6:29:16
